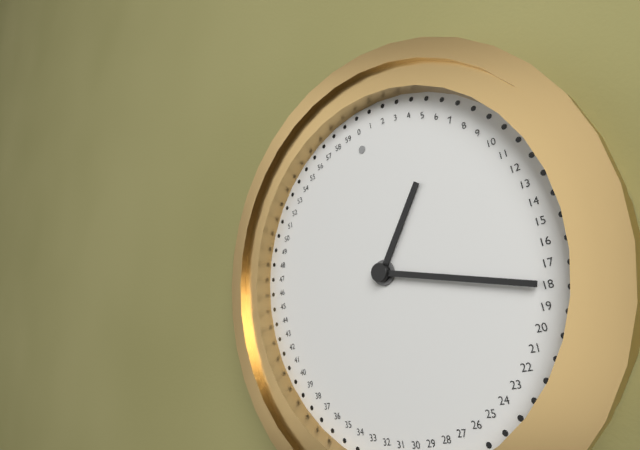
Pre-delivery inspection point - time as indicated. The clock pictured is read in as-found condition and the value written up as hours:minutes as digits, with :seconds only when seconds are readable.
1:18
